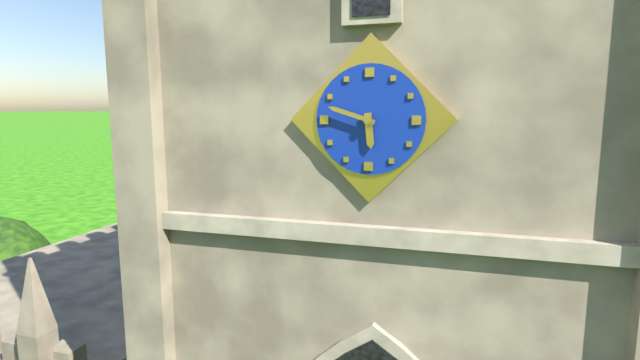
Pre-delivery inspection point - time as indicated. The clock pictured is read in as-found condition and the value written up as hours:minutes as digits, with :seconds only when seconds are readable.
5:48
